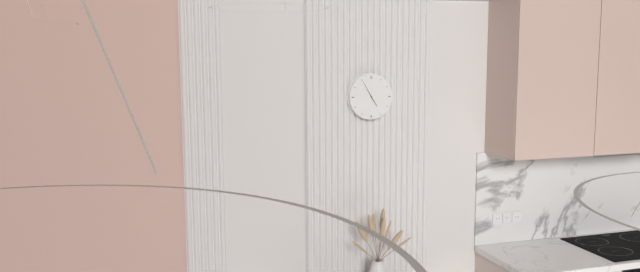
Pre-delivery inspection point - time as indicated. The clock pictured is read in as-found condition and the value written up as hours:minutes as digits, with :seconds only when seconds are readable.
4:55
